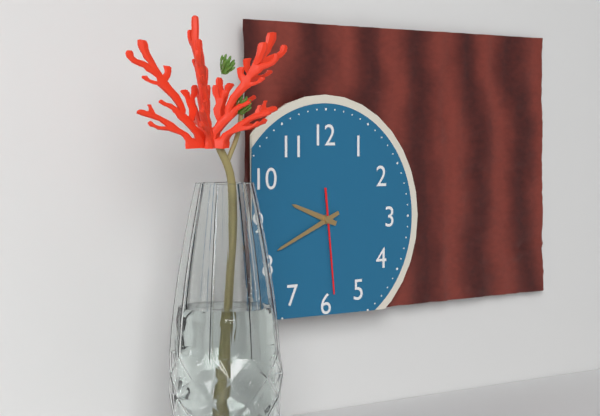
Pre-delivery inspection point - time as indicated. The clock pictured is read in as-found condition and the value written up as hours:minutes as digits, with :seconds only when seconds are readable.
9:41:29
